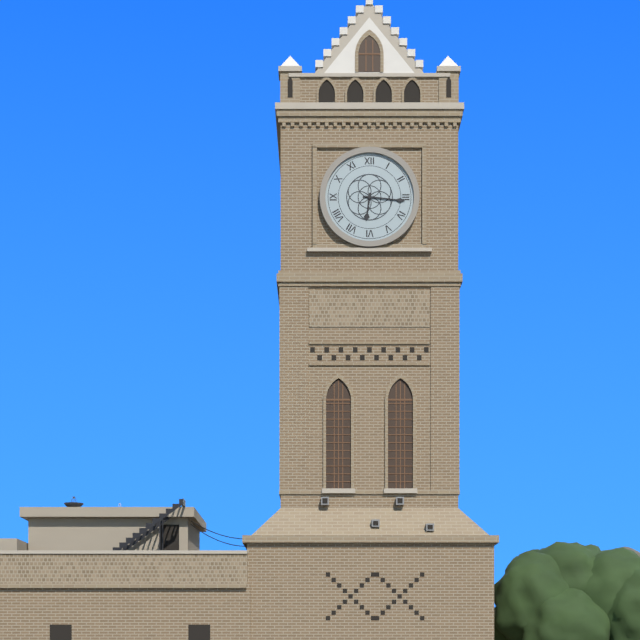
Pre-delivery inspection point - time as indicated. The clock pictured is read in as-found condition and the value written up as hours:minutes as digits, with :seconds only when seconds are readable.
6:16
